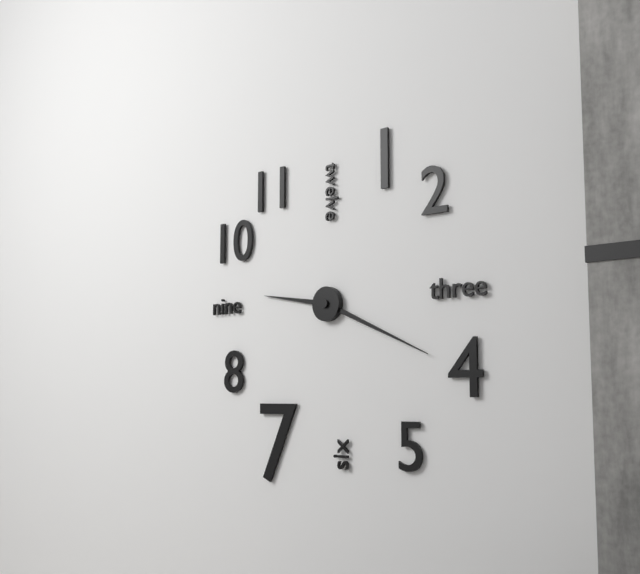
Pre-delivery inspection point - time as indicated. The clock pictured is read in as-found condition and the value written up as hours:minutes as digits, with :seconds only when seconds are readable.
9:19
